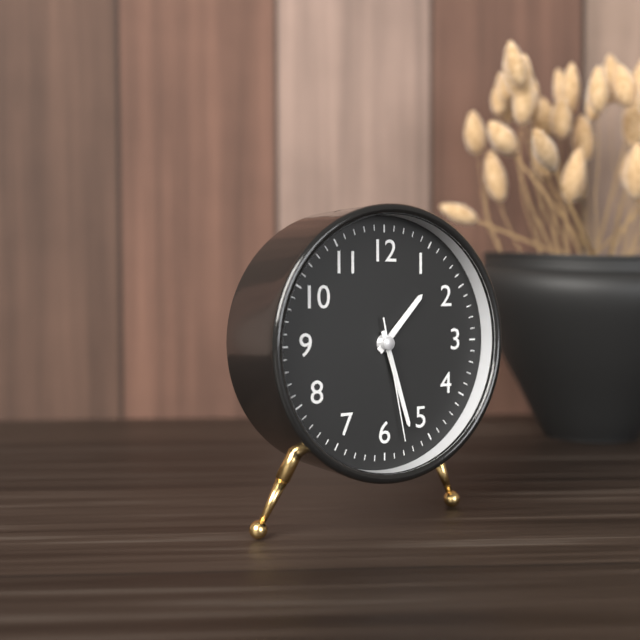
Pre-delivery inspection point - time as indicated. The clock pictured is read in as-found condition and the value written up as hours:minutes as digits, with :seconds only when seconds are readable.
1:27:28
